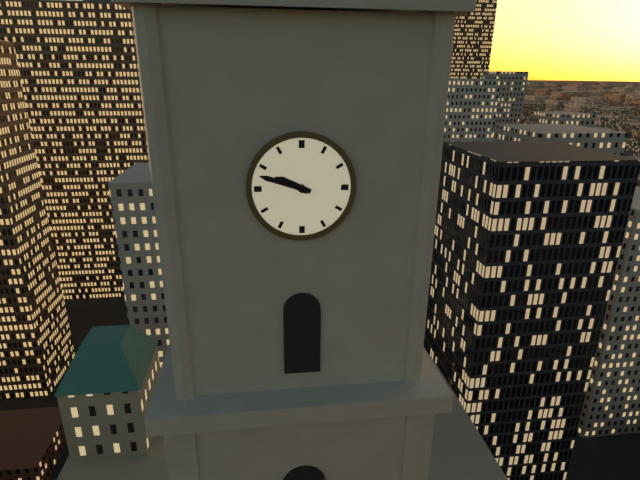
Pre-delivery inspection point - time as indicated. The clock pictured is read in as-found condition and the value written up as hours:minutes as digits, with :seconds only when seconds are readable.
9:48
